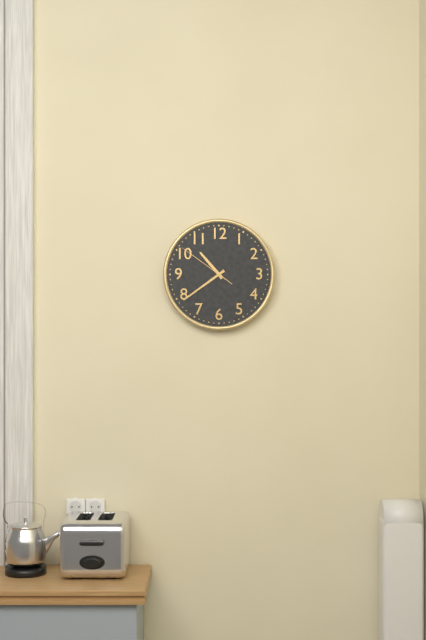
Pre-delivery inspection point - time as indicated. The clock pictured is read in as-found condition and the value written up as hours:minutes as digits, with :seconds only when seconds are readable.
10:39:51
